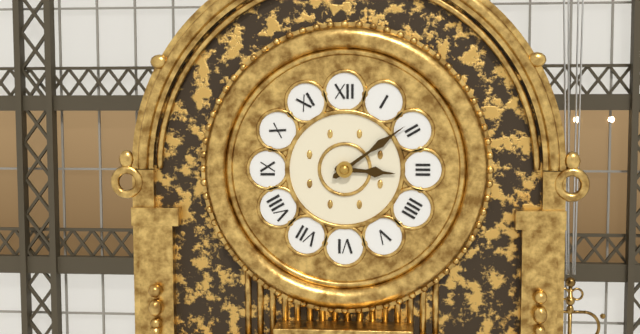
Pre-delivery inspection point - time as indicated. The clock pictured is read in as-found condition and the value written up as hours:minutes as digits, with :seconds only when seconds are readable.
3:09
